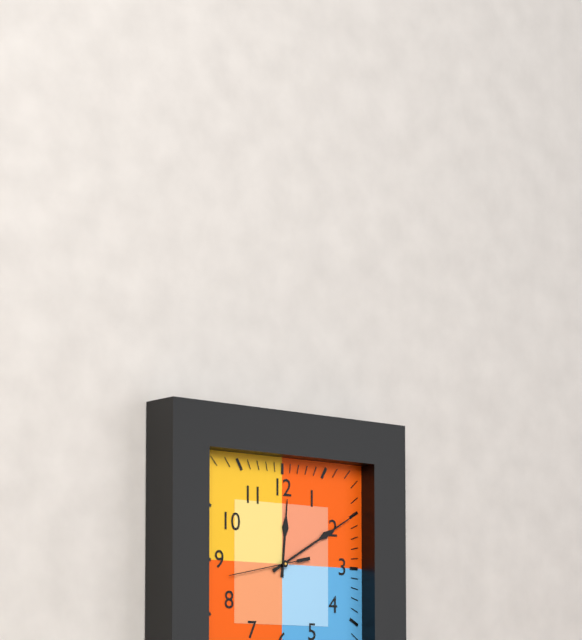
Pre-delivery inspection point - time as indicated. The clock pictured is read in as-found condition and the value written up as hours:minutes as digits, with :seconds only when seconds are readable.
12:10:43
